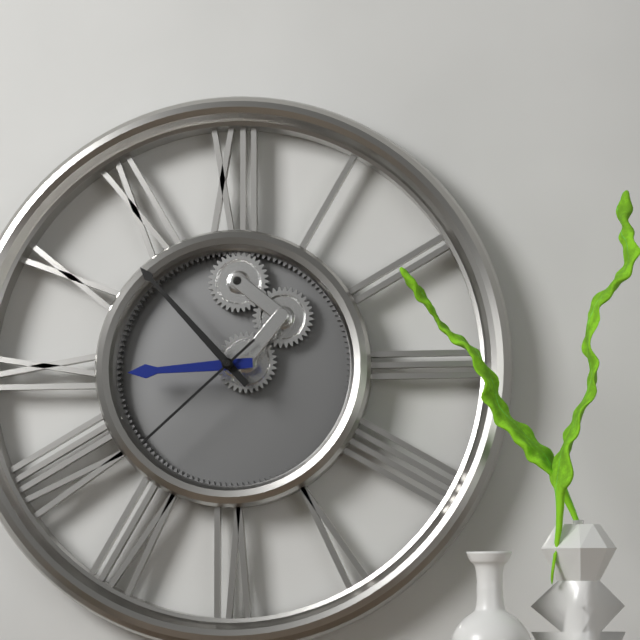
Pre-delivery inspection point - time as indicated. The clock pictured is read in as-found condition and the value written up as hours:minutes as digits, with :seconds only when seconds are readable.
8:53:38
